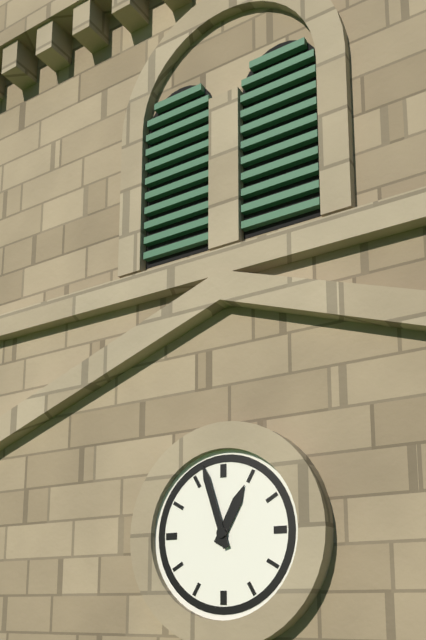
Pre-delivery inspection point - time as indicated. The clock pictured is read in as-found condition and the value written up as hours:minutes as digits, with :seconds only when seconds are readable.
12:57
